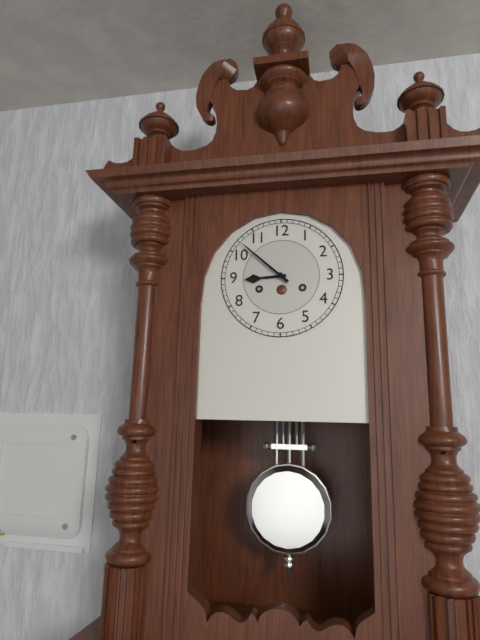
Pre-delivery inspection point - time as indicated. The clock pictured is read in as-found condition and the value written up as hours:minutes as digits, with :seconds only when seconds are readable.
8:52
